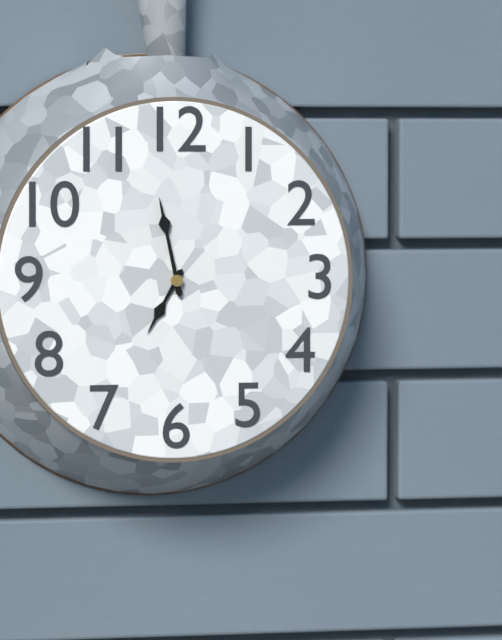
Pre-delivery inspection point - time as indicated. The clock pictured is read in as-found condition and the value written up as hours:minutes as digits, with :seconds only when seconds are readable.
6:58
